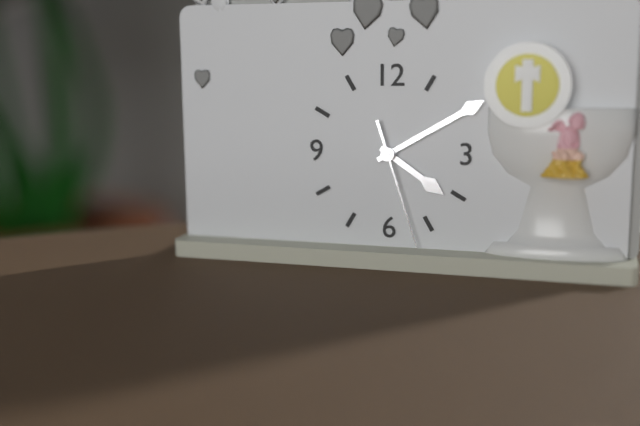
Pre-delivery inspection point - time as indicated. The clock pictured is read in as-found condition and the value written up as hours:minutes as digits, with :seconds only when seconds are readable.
4:10:27
